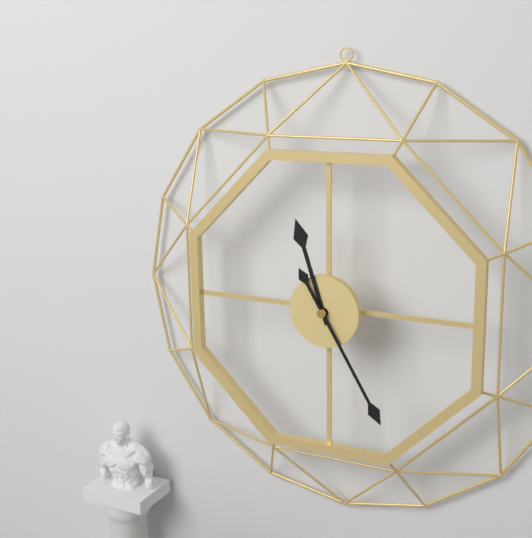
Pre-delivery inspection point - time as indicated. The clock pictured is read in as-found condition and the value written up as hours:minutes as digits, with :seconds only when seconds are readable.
11:25
